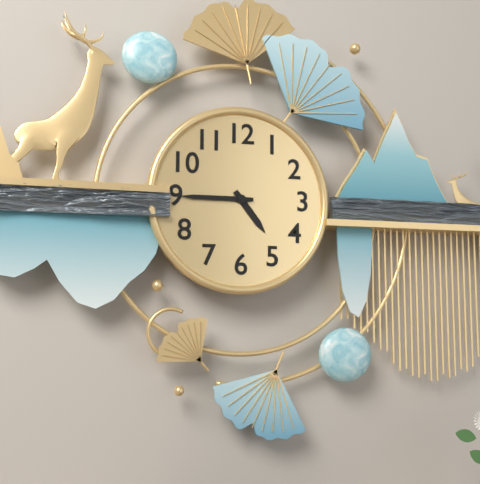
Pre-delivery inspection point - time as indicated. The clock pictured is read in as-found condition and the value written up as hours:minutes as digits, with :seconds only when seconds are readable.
4:45
